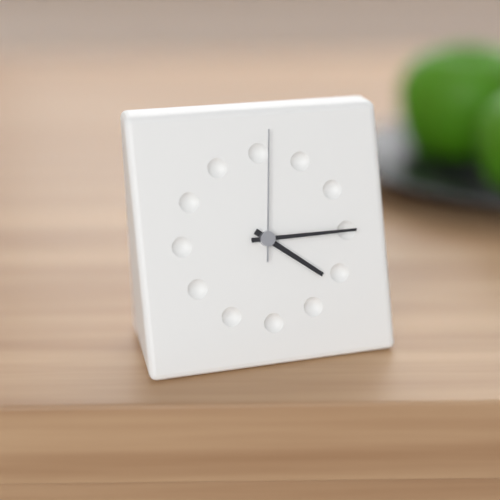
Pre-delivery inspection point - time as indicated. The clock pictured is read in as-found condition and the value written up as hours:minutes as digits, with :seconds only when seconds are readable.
4:15:01
